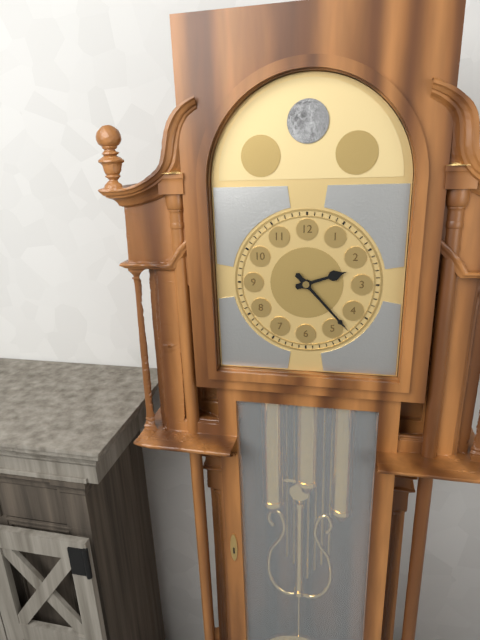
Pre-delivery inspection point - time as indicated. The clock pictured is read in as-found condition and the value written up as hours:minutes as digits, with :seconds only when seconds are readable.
2:23
